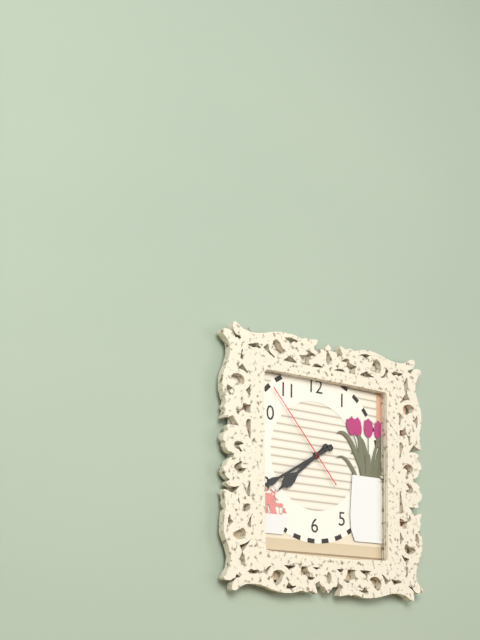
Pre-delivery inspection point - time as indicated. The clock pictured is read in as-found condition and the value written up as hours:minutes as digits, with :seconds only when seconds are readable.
7:40:53
